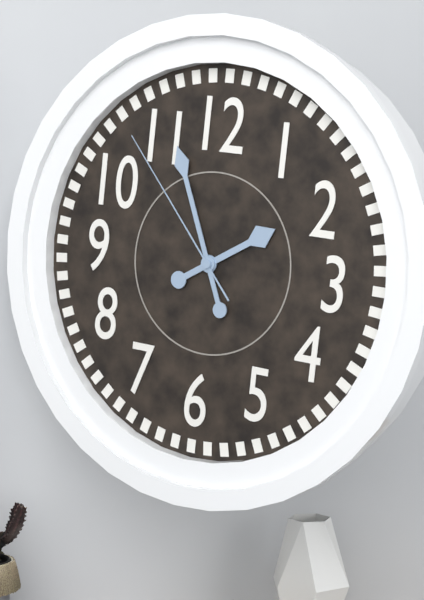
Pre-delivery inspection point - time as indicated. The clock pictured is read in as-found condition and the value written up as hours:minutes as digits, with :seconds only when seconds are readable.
1:56:53
